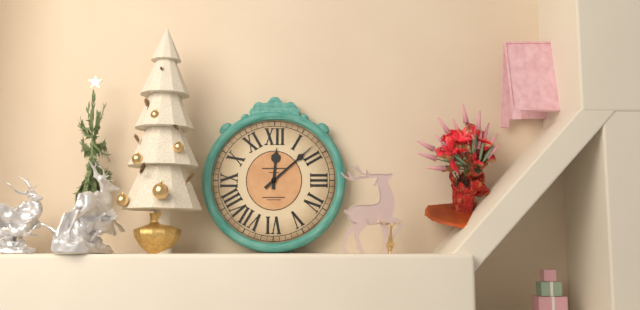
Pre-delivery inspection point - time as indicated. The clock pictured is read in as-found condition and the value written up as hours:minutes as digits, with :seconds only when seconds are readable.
12:08
